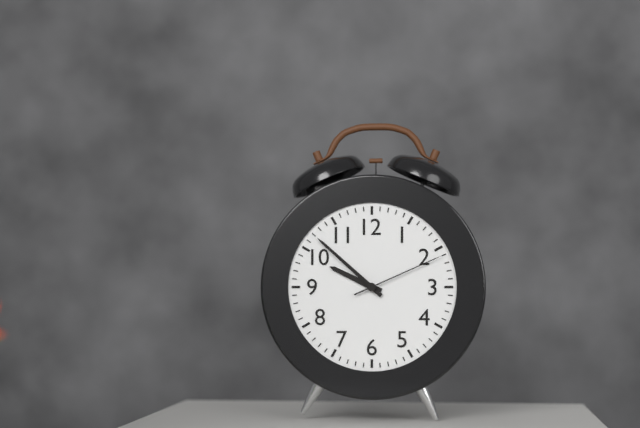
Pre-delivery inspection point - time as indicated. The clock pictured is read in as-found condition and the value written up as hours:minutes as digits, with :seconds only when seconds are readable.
9:52:11
